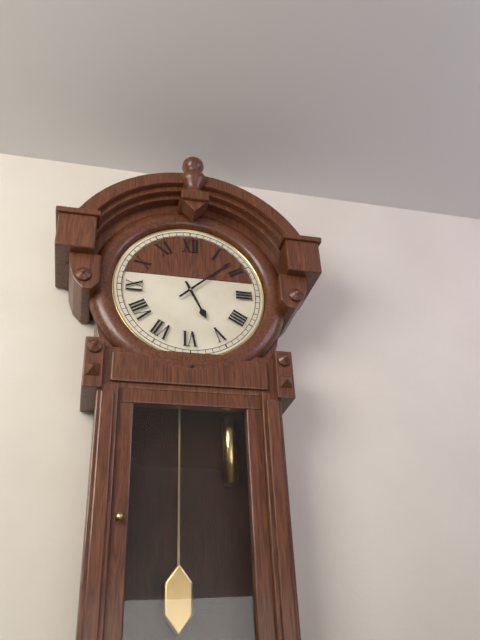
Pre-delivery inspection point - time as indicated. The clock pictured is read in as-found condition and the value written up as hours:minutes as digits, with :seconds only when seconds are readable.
5:08
